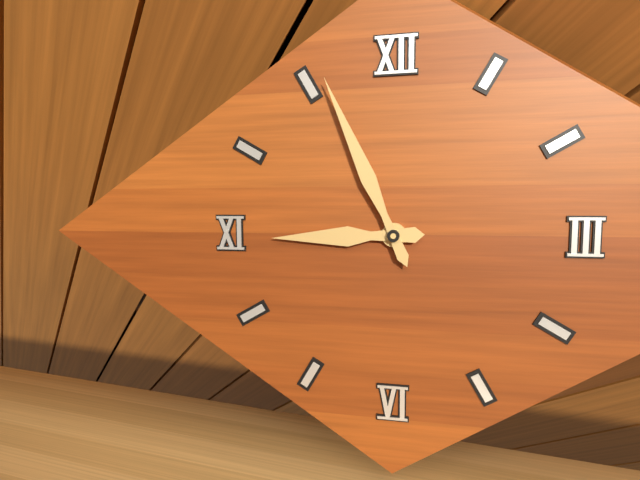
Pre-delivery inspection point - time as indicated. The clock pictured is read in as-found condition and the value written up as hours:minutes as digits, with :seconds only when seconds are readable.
8:56
